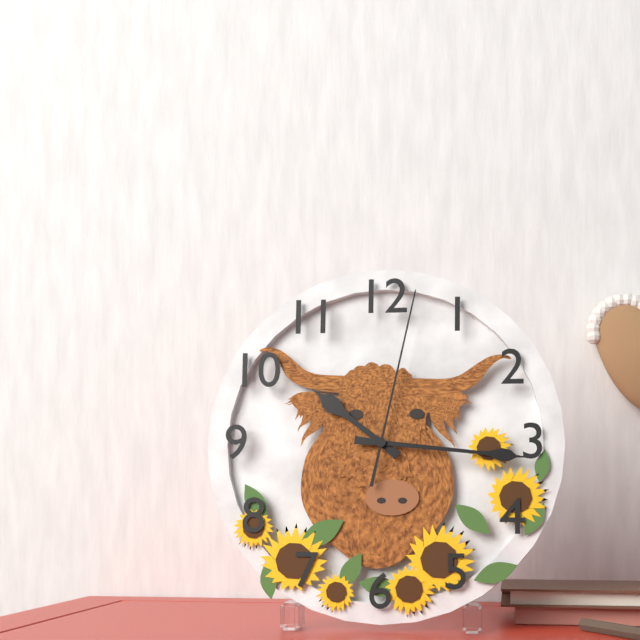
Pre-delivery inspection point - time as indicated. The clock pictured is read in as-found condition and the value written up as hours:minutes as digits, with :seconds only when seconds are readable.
10:16:02
